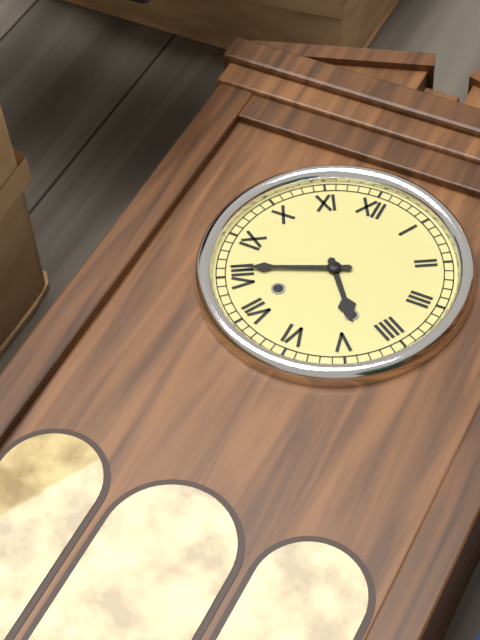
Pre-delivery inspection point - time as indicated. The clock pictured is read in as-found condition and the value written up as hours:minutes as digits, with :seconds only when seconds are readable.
4:41
